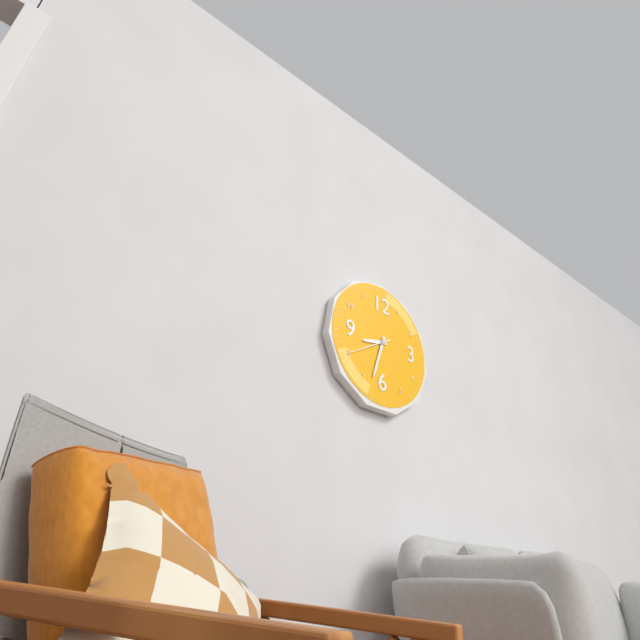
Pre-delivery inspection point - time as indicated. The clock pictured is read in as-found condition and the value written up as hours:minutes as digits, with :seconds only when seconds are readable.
8:33
